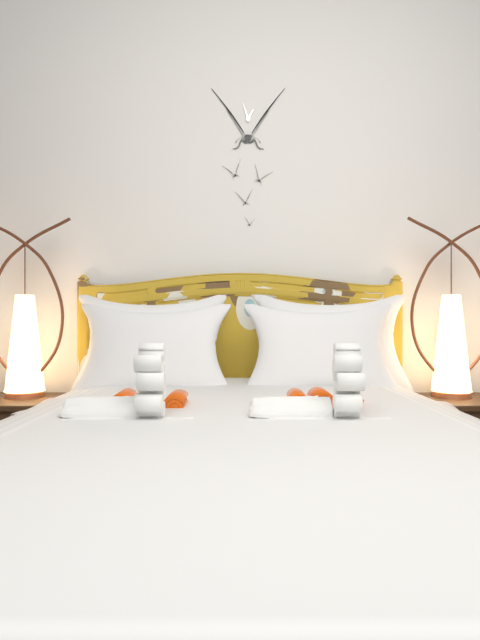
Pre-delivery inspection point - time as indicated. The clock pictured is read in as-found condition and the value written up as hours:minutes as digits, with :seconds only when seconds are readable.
12:57
